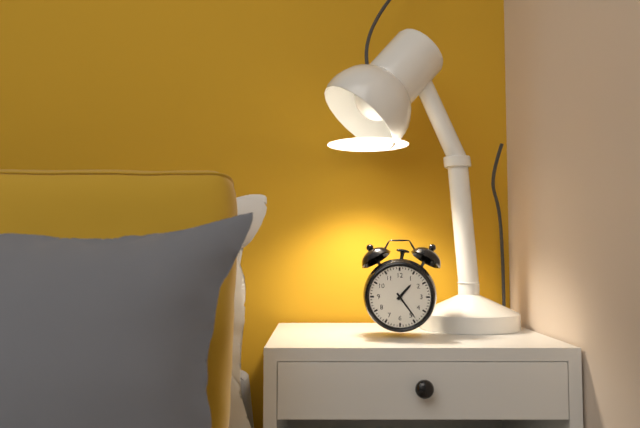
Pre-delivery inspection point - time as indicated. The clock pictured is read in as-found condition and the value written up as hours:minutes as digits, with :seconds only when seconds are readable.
1:24
